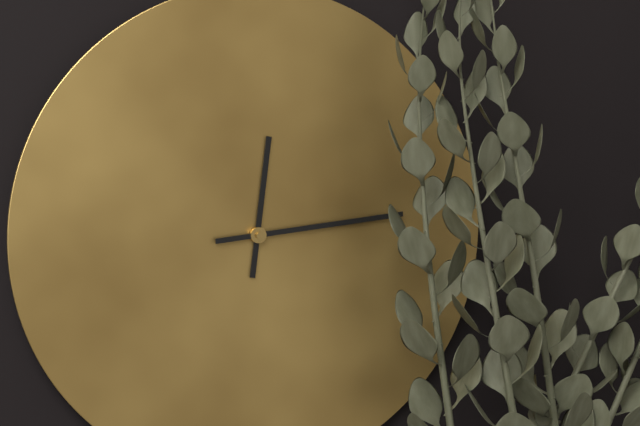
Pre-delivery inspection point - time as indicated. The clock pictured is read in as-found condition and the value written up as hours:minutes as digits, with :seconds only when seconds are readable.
12:14
